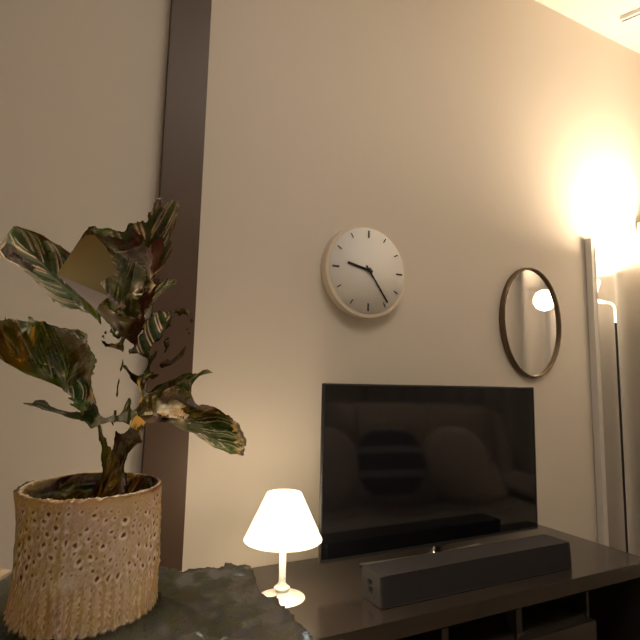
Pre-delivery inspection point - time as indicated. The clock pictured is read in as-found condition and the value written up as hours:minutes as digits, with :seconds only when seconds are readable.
9:24
